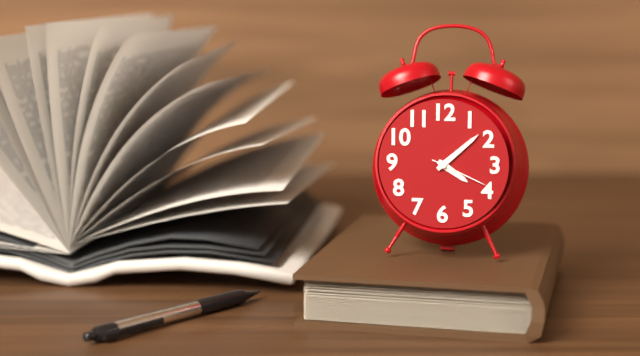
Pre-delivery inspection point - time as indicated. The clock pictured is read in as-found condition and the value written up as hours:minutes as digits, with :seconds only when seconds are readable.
4:08:19
